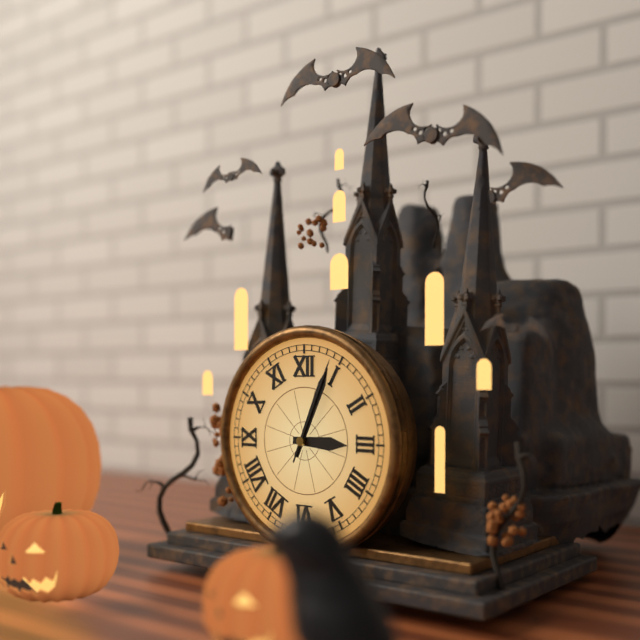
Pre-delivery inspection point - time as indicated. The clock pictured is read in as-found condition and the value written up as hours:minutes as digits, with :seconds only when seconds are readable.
3:04:04
